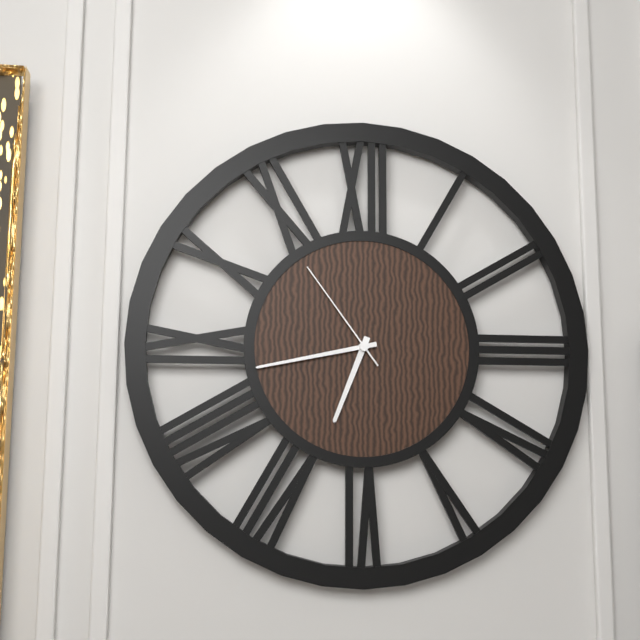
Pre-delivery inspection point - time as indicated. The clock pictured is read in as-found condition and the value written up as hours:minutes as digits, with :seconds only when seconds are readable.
6:43:54
